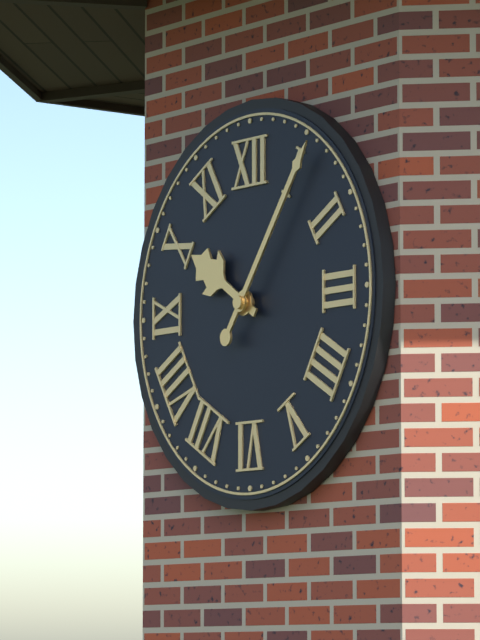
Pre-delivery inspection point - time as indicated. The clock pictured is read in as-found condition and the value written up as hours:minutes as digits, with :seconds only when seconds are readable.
10:06
